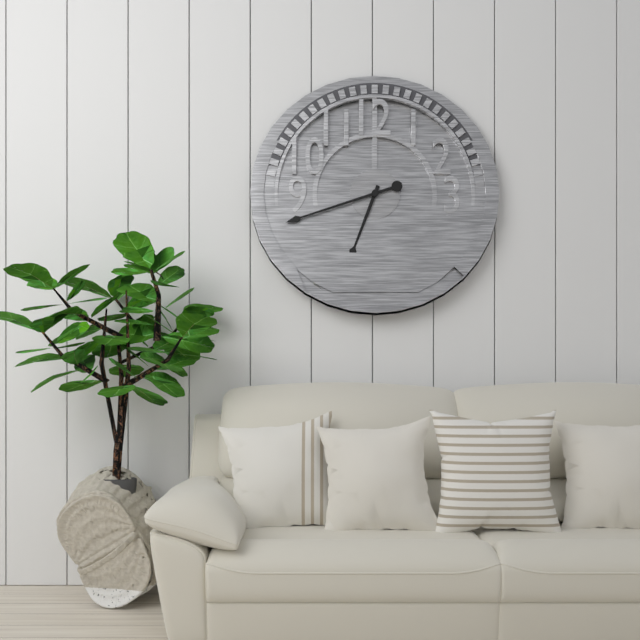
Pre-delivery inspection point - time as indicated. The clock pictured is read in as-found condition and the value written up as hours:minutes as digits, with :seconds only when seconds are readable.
6:42
